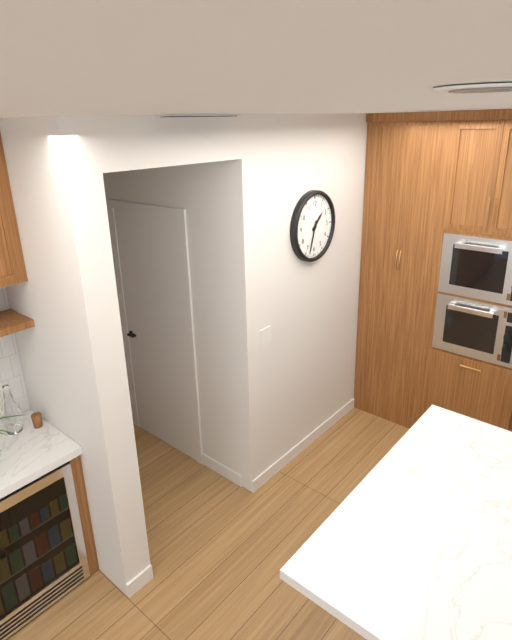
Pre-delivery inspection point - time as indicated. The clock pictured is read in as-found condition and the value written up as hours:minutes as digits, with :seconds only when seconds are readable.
1:33
